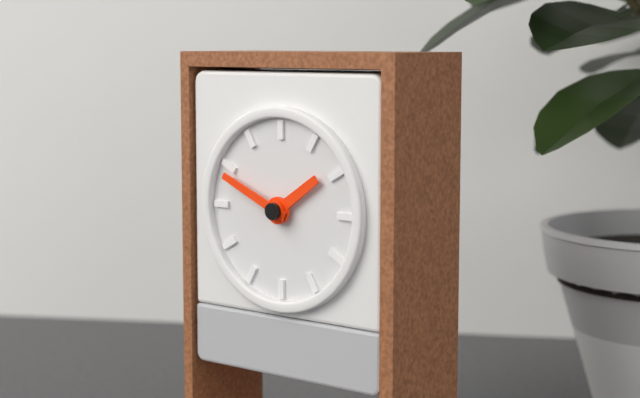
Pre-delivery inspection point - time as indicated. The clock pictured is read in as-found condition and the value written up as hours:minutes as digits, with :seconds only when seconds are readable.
1:49
